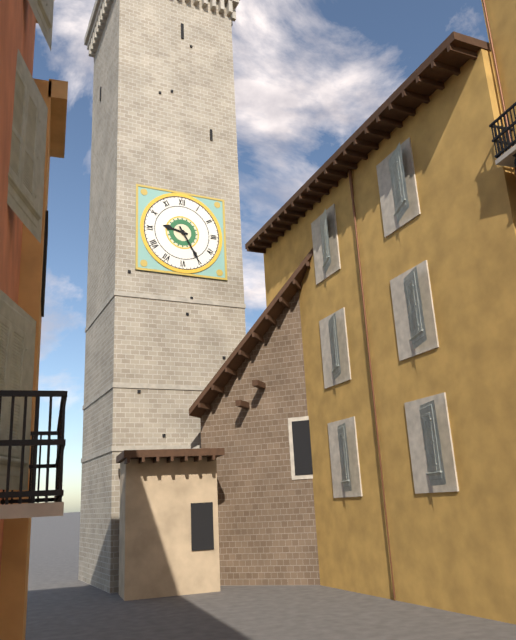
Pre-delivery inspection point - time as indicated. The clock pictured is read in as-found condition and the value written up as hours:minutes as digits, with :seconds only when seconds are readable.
9:25
